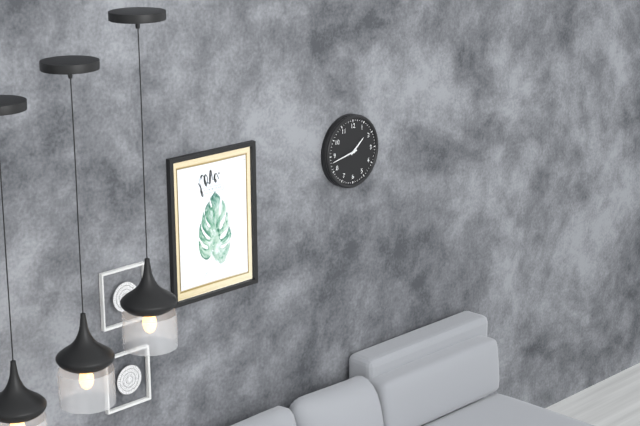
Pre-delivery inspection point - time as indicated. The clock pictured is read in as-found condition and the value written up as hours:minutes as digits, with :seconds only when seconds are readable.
1:43
